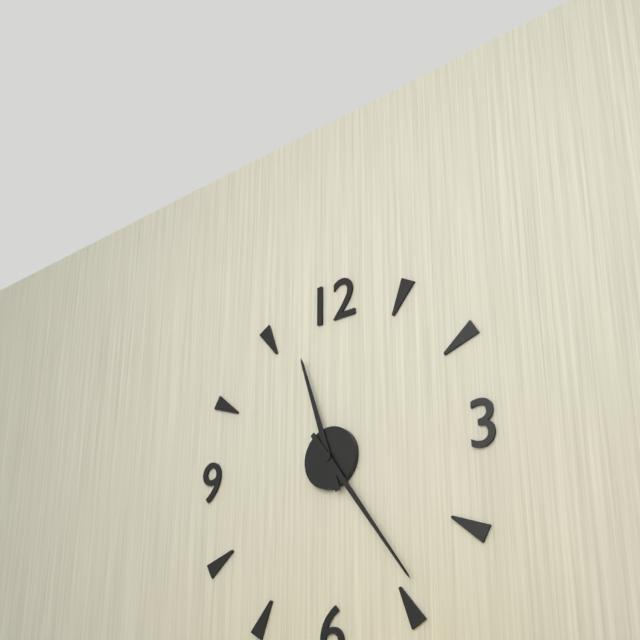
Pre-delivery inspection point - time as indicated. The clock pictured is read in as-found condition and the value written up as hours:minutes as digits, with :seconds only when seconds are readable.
11:24
